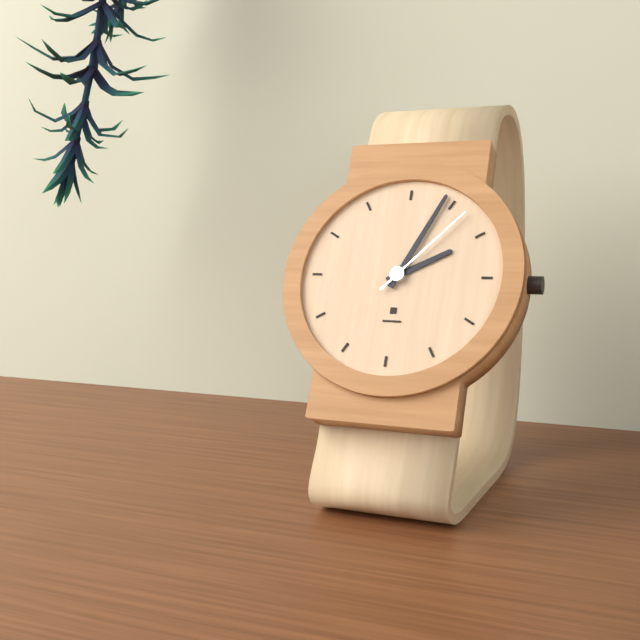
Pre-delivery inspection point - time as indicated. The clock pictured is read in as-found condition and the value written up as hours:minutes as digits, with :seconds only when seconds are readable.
2:04:07
